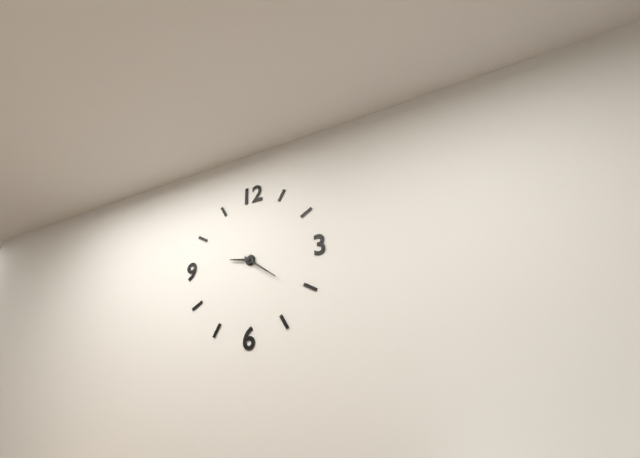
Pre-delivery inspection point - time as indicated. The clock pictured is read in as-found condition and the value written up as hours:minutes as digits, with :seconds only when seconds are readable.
9:21
